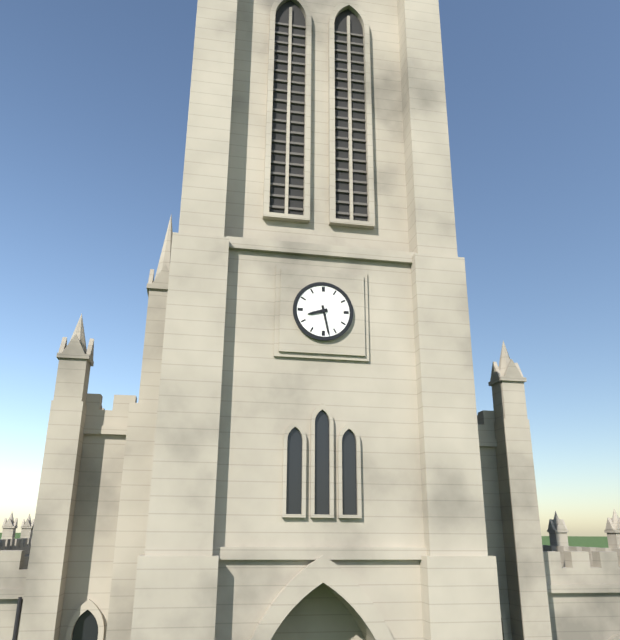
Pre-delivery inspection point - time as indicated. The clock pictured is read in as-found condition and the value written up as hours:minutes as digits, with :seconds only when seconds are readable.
8:28
